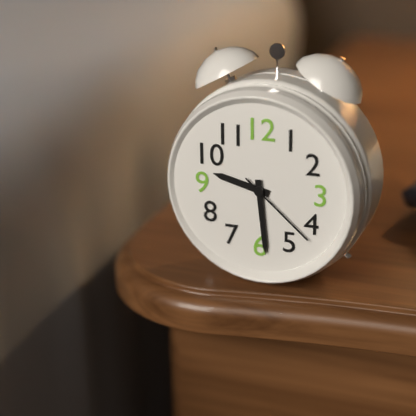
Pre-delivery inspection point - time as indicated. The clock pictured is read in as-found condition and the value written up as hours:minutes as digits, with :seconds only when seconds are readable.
9:29:22
